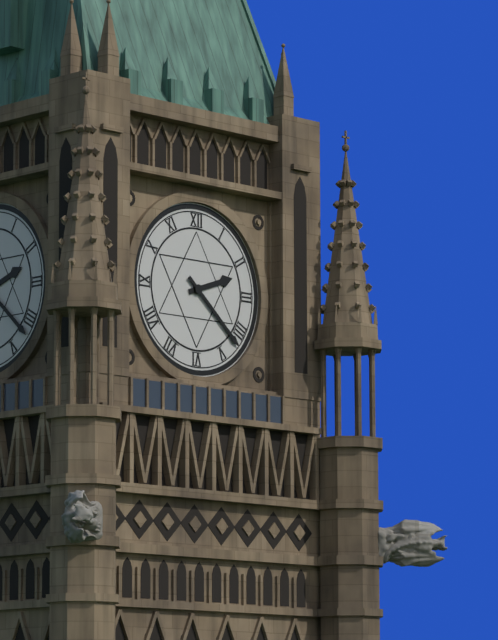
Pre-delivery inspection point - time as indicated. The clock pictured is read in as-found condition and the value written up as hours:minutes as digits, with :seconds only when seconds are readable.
2:22
